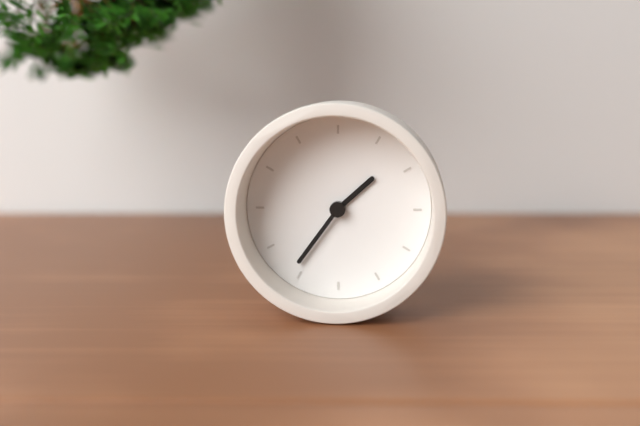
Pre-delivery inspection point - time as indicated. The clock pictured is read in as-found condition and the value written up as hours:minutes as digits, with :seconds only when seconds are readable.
1:36
